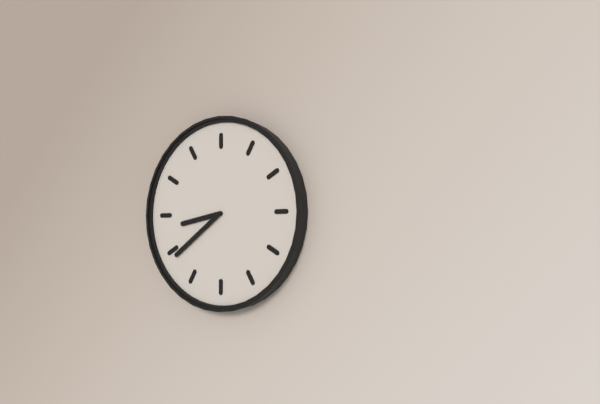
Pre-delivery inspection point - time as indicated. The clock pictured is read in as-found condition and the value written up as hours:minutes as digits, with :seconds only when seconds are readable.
8:39
